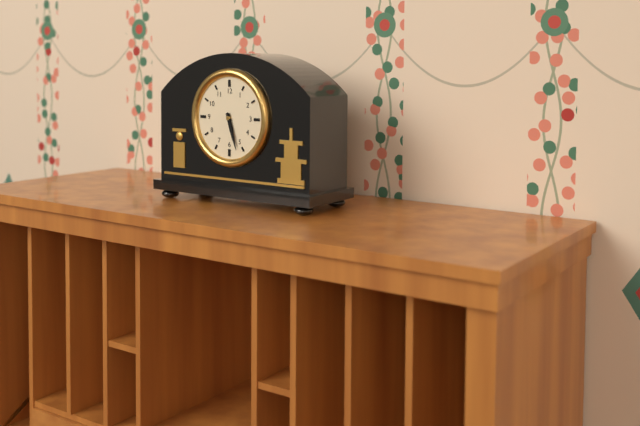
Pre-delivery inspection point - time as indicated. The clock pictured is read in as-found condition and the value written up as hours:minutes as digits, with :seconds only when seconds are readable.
5:27
